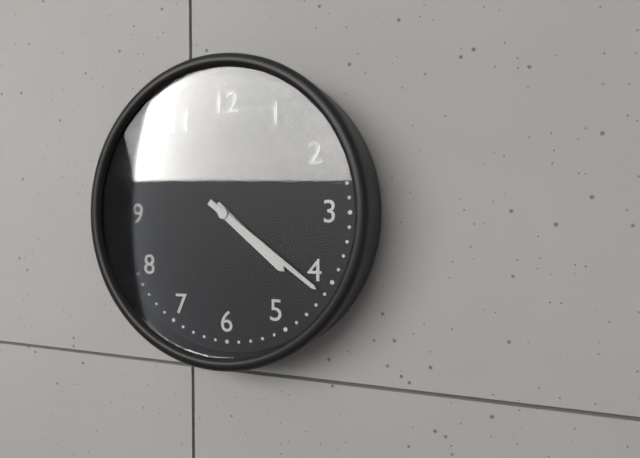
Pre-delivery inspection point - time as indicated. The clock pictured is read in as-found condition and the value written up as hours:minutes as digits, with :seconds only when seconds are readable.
4:21
